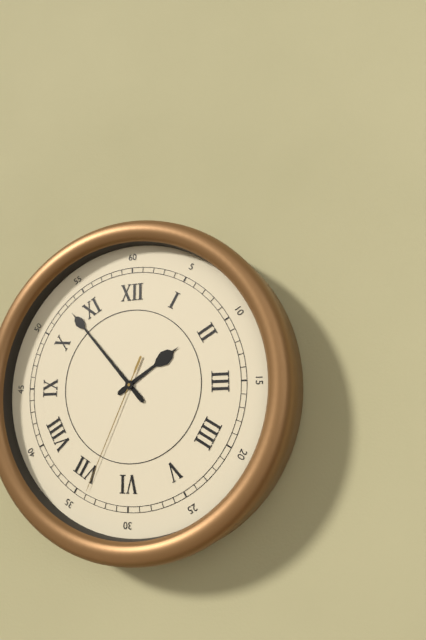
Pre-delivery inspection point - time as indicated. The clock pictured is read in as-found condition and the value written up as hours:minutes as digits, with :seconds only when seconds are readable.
1:53:34
